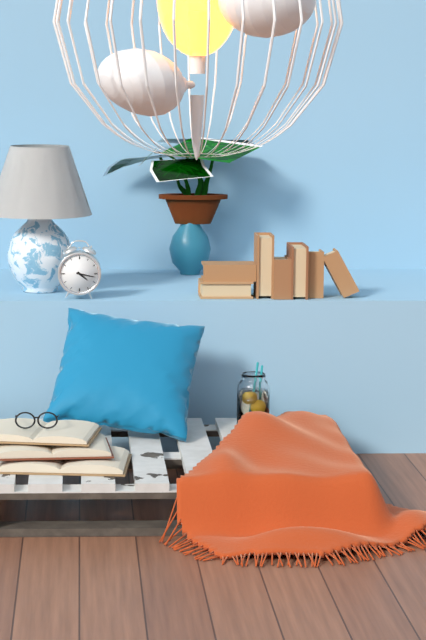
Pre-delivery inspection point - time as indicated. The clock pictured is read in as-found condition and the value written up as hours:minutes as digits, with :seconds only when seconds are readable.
4:17
